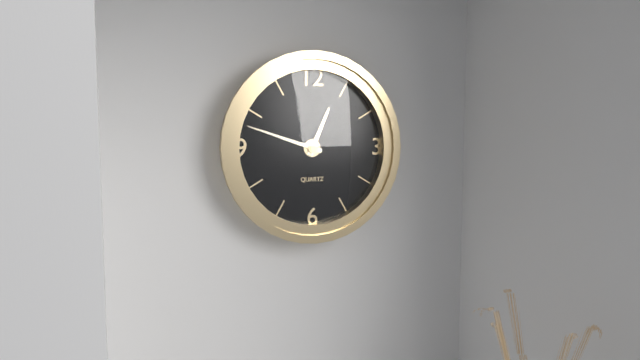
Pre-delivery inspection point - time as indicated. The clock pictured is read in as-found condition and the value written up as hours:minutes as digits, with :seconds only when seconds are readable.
12:48
